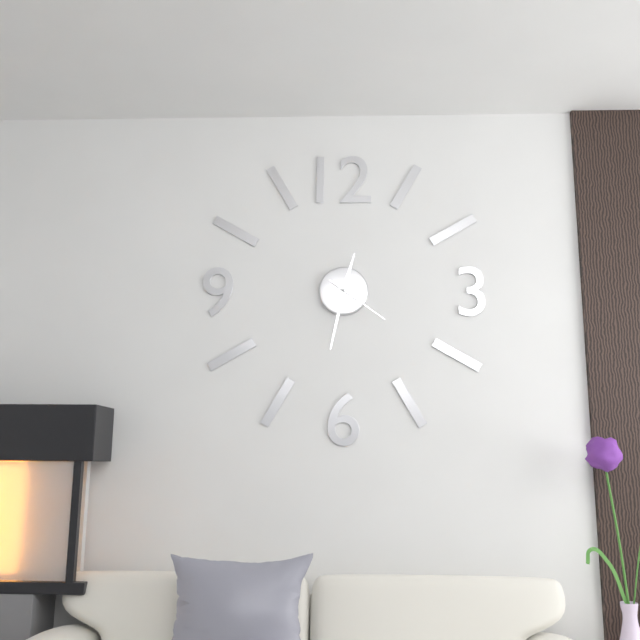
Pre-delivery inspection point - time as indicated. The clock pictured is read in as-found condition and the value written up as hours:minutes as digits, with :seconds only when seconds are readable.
12:32:21
